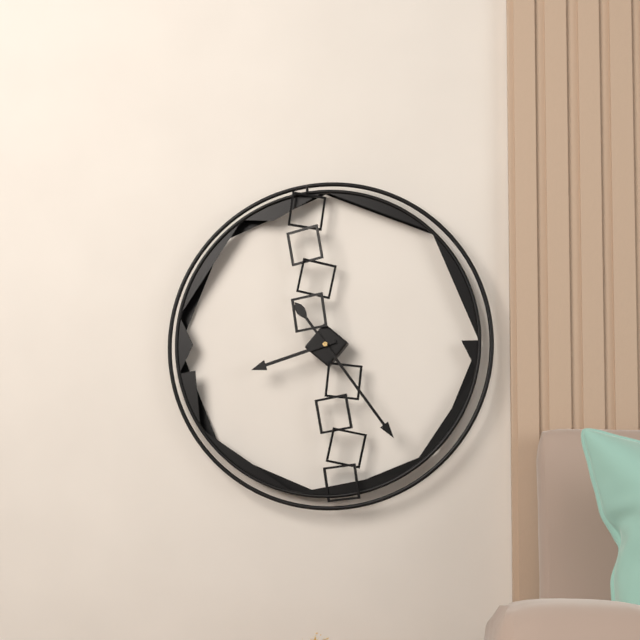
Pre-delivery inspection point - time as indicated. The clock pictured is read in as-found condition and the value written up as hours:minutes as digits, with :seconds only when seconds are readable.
8:24
